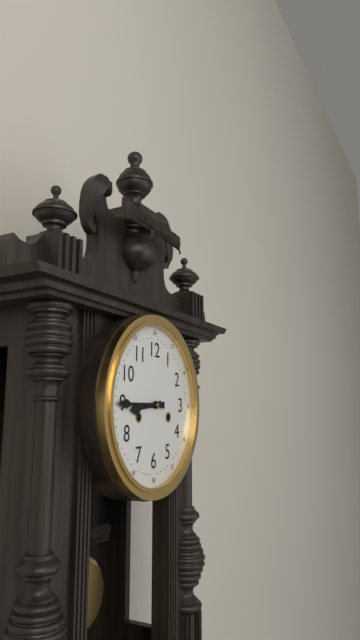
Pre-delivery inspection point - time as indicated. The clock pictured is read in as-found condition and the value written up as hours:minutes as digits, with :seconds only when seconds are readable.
8:45
